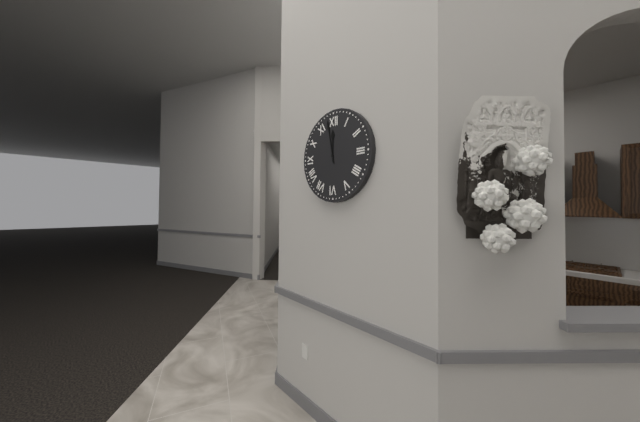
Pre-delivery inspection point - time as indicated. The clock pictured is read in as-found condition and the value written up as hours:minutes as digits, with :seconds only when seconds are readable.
11:58
